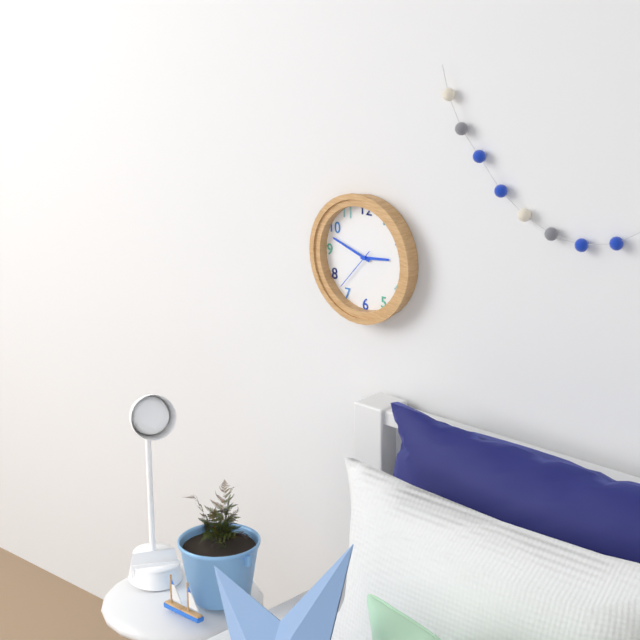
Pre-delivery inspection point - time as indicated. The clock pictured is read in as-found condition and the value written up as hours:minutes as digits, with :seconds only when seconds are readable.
2:48
